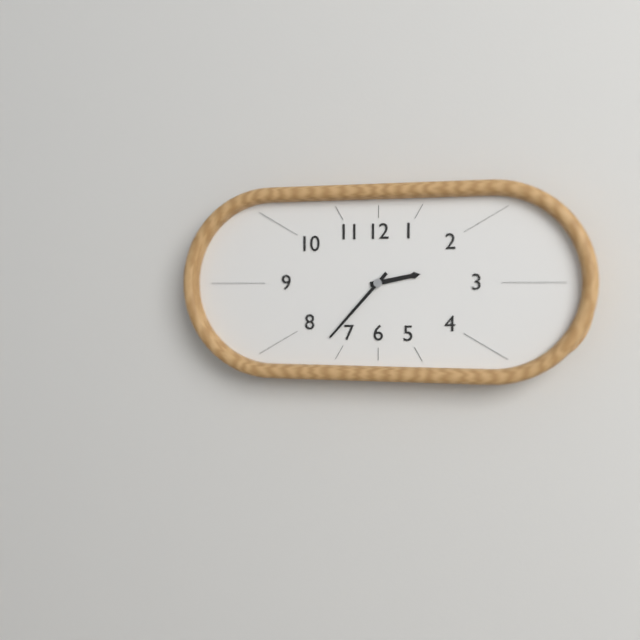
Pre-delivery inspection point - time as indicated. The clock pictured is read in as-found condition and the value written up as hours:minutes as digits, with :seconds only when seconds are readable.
2:37
